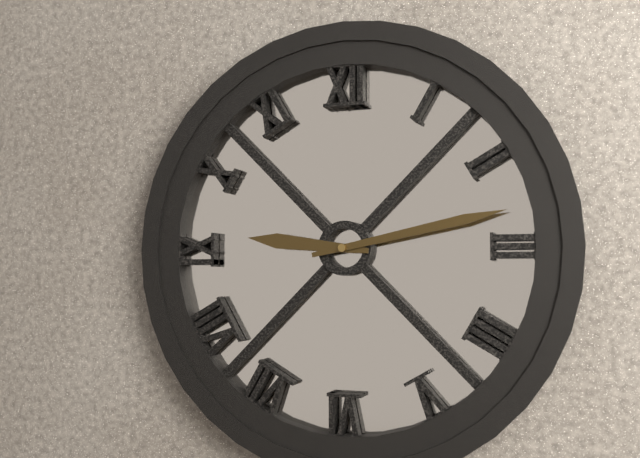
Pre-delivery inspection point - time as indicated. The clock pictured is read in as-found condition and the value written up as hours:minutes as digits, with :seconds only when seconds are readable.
9:13
